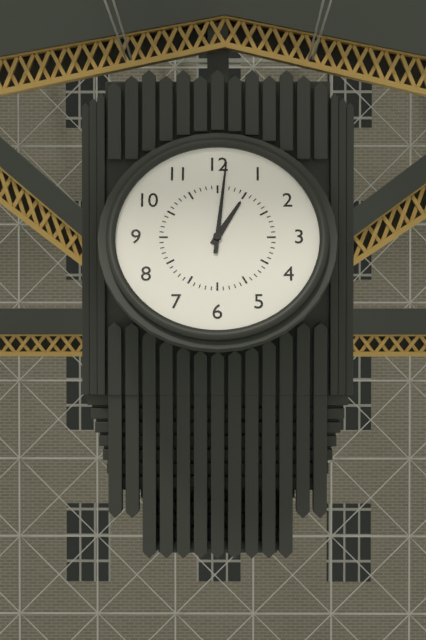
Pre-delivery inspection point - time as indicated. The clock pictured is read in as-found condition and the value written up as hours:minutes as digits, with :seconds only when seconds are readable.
1:01
